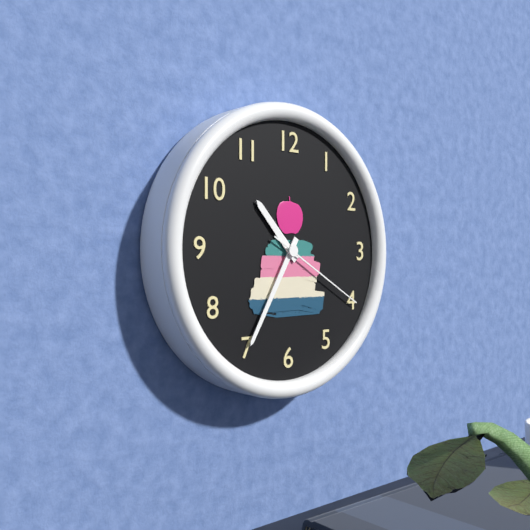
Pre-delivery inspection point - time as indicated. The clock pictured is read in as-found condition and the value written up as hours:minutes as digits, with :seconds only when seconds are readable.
10:35:20
